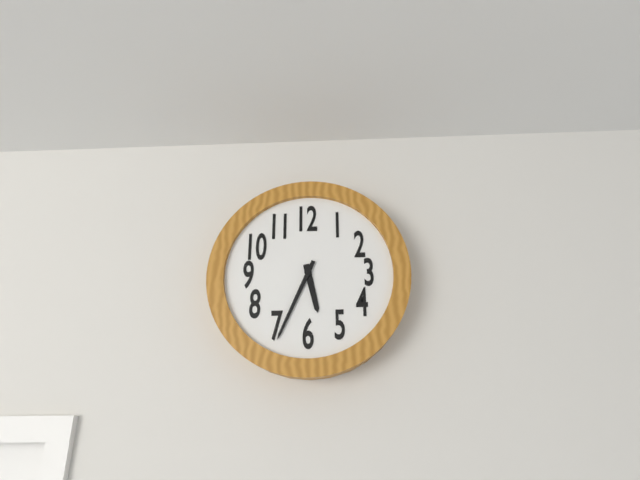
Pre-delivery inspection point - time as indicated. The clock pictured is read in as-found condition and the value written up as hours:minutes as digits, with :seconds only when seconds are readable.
5:34
